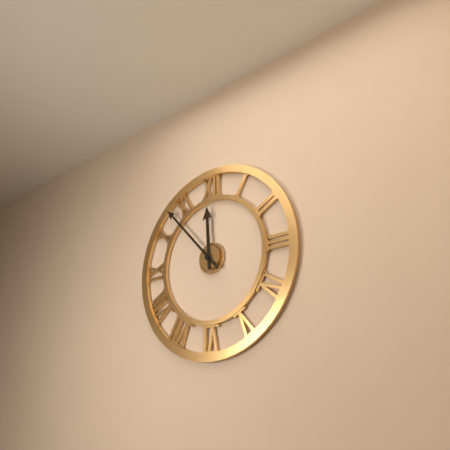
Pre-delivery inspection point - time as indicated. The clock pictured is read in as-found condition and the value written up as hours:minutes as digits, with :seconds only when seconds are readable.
11:53
